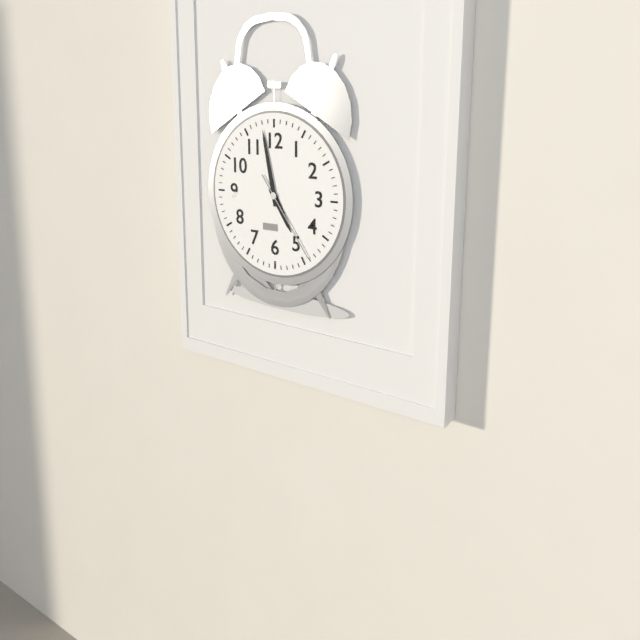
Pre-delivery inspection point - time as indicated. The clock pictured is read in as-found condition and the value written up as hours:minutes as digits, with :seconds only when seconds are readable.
4:58:24
